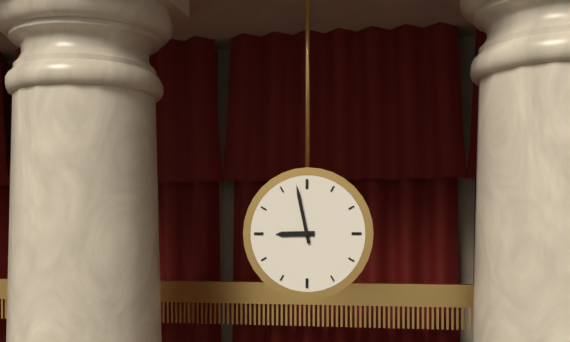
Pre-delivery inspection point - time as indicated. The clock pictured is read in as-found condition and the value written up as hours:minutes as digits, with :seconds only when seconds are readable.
8:58
